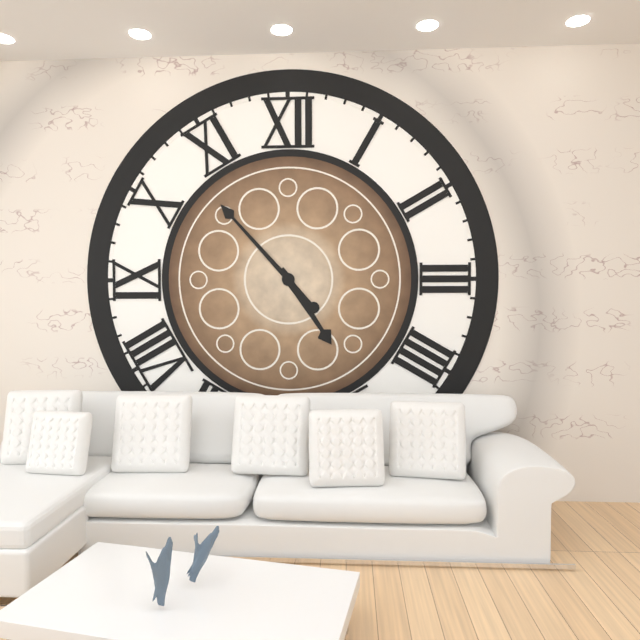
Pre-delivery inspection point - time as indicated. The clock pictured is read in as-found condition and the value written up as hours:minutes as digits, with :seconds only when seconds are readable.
4:53
